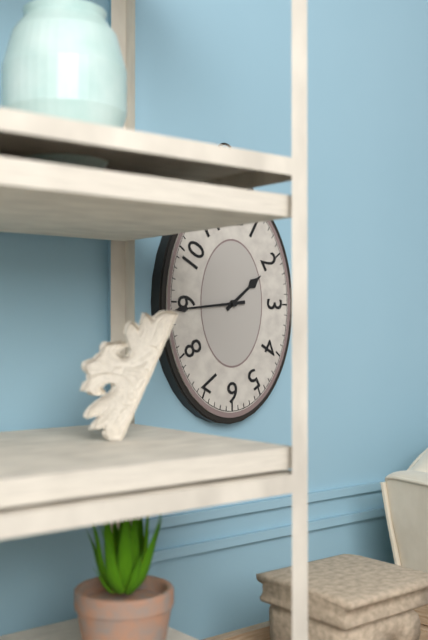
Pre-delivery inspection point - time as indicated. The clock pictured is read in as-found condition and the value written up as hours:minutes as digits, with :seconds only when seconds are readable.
1:44
